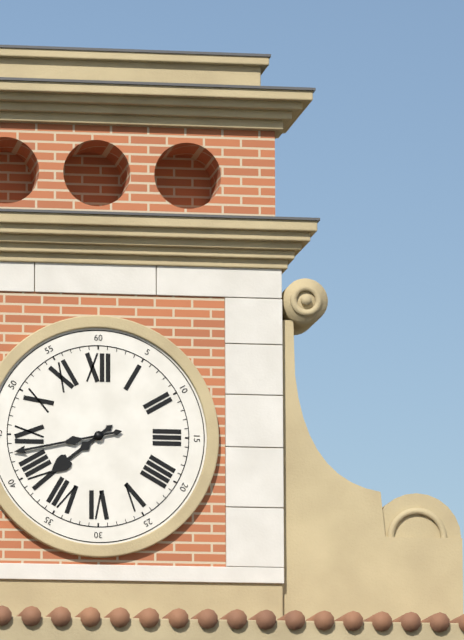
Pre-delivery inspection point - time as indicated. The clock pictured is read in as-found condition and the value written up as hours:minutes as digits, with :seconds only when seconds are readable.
7:43
